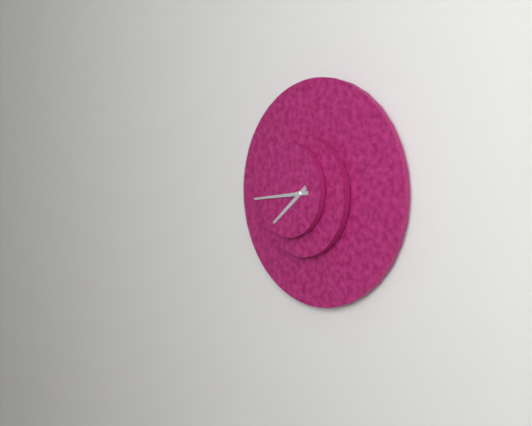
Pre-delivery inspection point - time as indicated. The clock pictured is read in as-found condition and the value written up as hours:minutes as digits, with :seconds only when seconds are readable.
7:44
